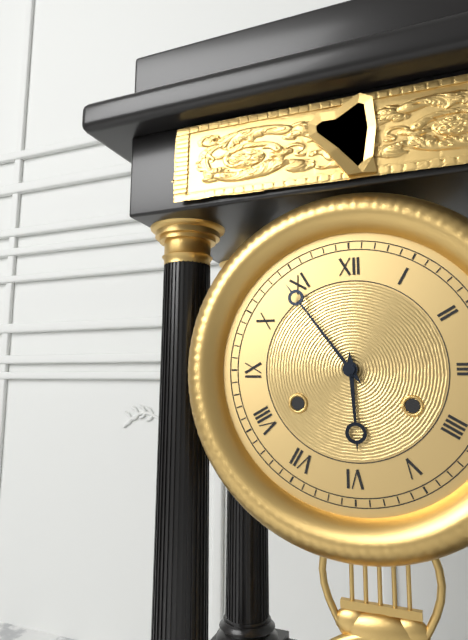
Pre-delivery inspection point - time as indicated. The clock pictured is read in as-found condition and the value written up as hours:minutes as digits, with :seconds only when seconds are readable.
5:54
